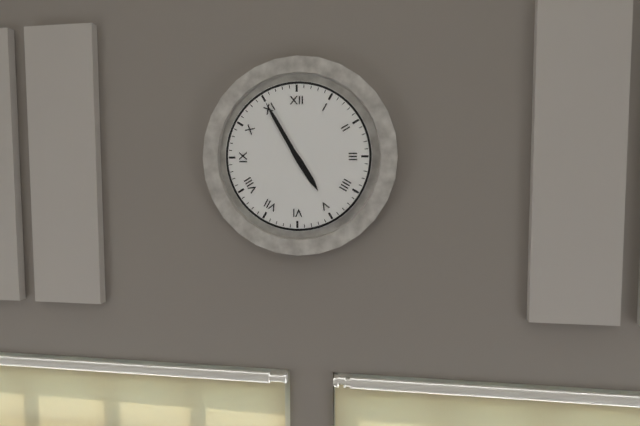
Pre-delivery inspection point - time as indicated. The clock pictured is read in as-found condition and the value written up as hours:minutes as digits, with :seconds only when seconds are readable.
4:55
